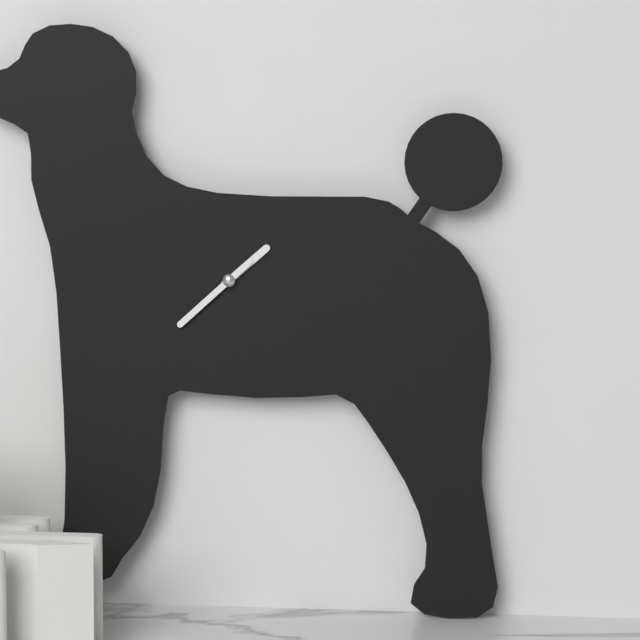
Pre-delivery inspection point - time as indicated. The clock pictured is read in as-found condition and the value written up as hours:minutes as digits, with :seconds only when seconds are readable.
1:38
